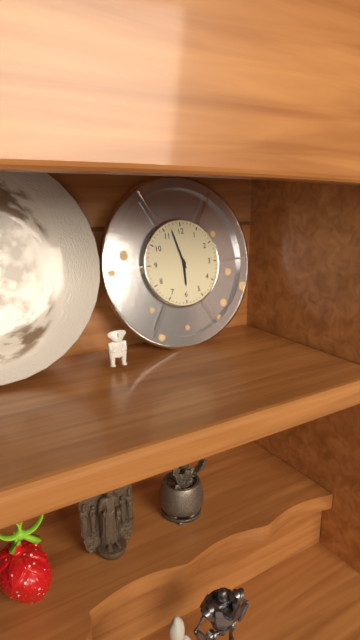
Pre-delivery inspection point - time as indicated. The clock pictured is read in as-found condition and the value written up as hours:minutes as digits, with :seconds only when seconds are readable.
5:57
